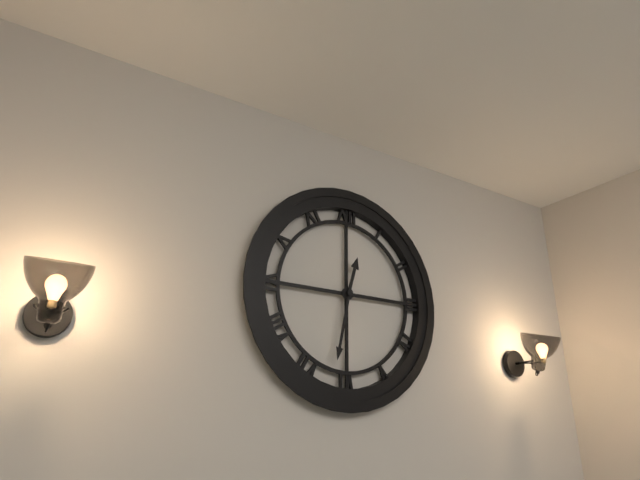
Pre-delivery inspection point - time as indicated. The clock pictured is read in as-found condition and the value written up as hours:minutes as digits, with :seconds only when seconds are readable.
12:32
